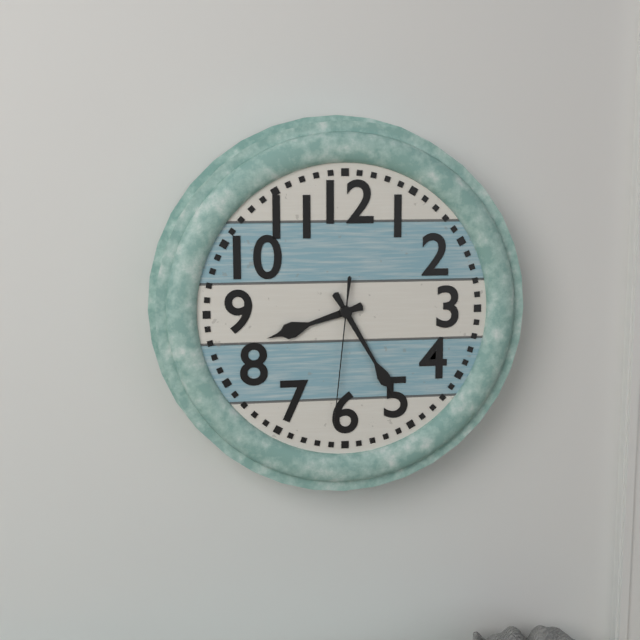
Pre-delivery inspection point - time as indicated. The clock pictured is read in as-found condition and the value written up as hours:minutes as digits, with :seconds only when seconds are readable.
8:25:31
